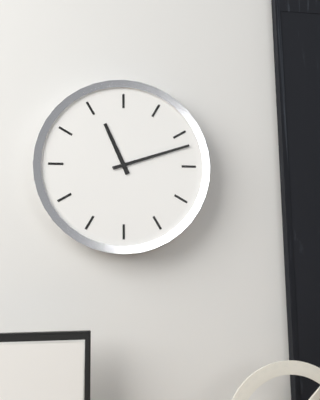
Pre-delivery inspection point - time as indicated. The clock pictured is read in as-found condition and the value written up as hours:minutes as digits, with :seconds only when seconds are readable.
11:12
